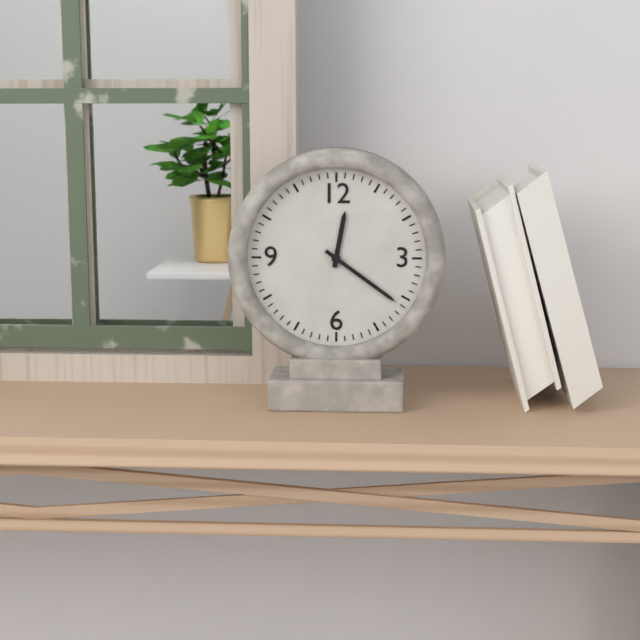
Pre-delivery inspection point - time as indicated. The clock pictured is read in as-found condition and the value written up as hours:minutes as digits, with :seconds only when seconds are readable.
12:21
